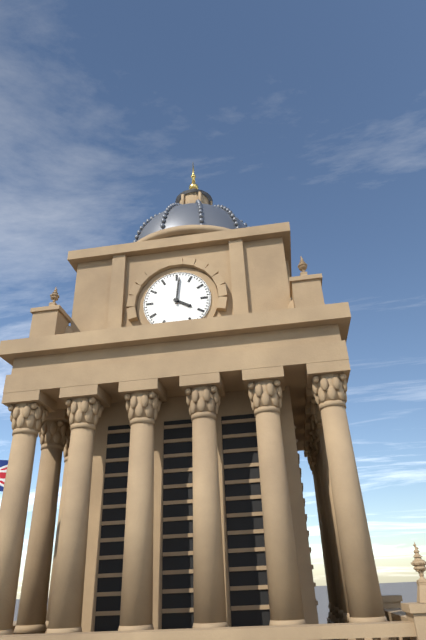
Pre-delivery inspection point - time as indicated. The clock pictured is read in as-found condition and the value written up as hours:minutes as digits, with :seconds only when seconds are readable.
4:01
